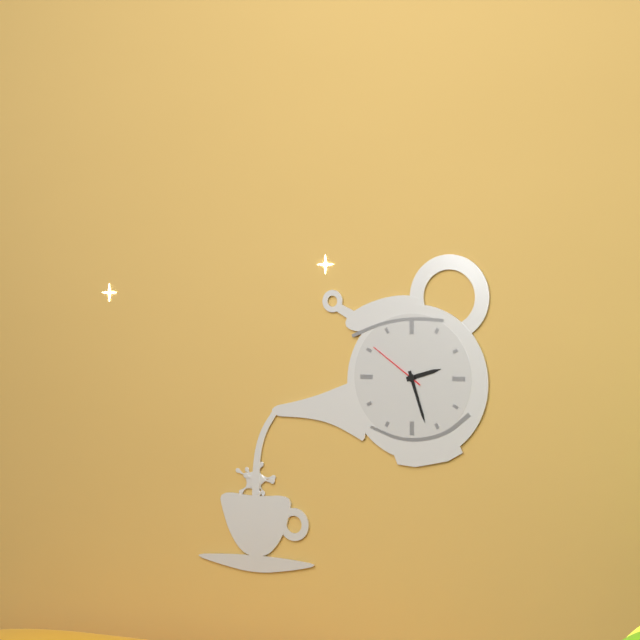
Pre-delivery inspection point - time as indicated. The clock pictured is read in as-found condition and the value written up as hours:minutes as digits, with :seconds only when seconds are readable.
2:27:51
